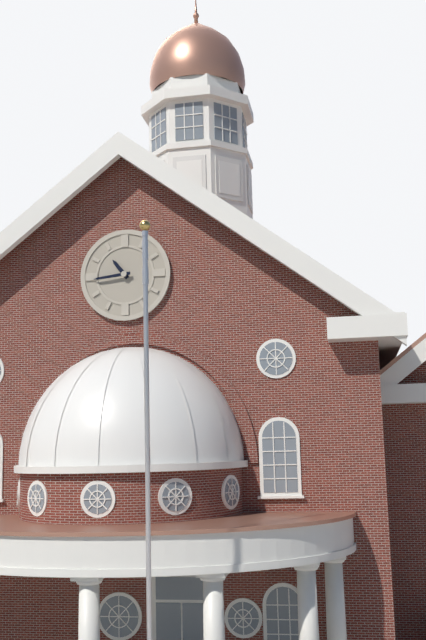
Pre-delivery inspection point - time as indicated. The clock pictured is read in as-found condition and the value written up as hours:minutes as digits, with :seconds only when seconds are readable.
10:44
